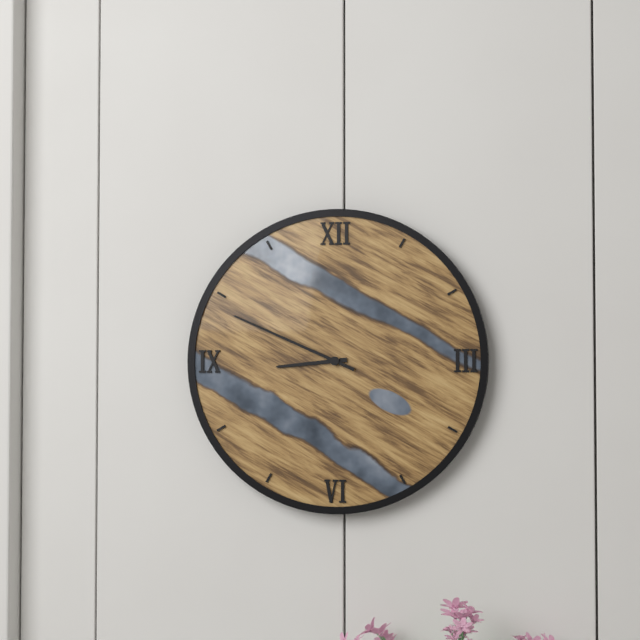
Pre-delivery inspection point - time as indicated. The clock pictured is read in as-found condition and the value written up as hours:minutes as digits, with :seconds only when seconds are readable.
8:49
